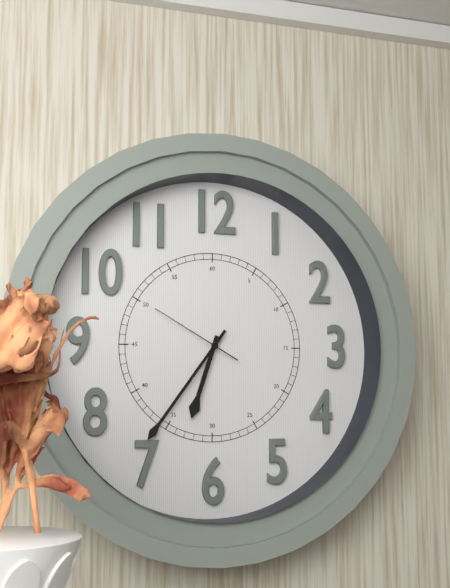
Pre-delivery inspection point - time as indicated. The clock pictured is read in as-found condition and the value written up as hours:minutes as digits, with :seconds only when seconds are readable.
6:36:50
